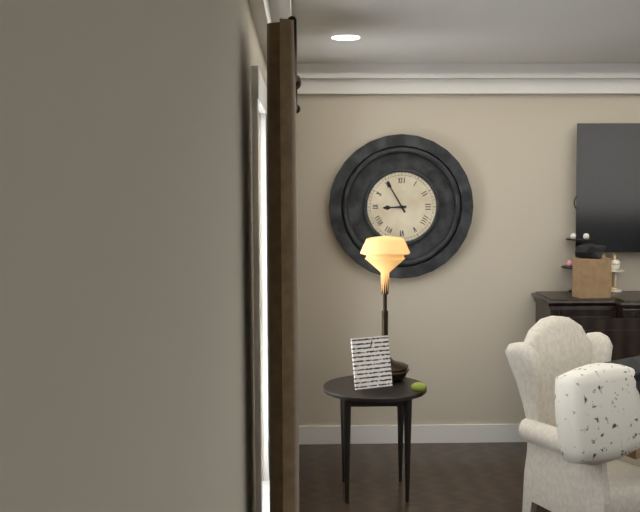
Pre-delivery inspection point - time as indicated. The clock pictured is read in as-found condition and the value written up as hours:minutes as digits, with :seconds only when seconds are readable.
8:55
